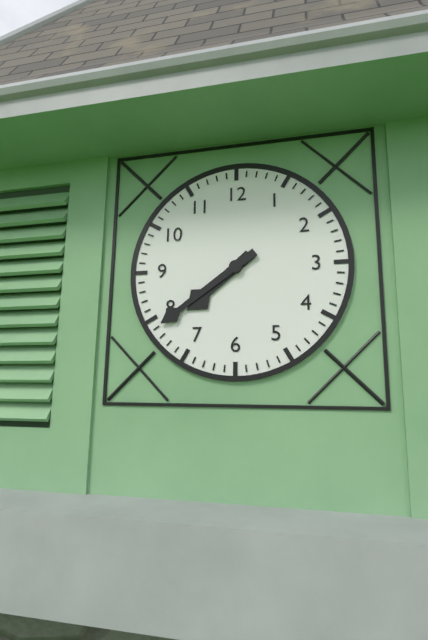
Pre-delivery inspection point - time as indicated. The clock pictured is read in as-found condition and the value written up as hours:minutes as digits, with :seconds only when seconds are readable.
7:39
